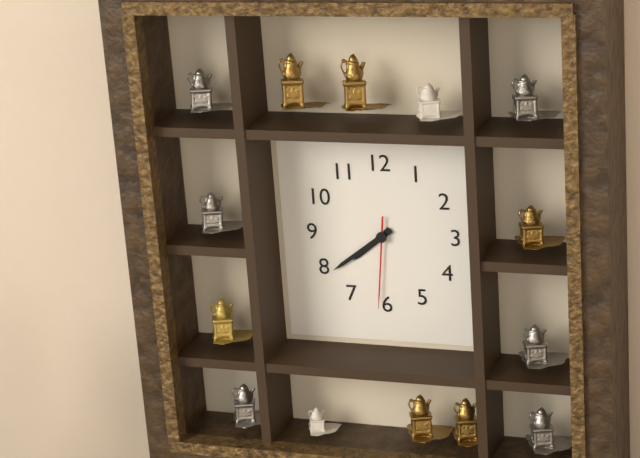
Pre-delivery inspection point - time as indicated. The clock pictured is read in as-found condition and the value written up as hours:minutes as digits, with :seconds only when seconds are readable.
7:39:31
